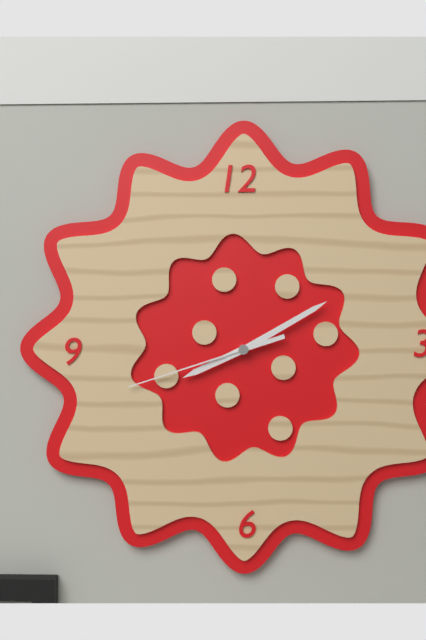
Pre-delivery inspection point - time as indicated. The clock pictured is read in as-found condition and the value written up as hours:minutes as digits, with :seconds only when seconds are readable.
8:10:42
